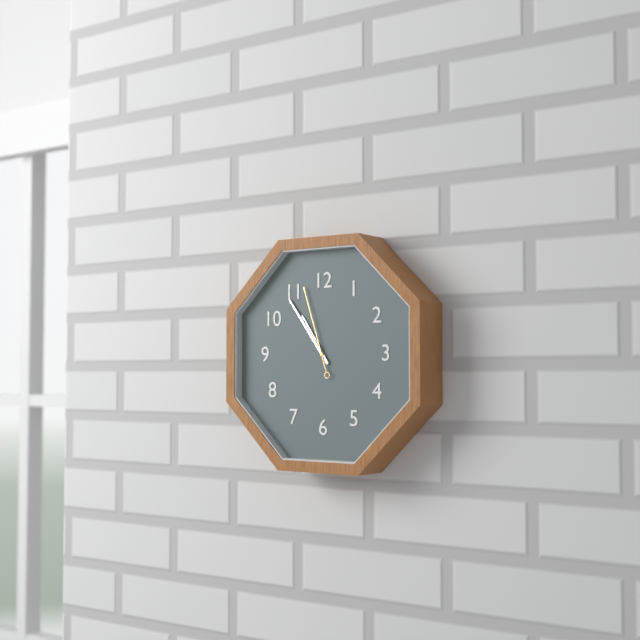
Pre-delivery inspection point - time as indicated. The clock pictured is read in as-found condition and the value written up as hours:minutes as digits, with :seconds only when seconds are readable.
10:54:57
